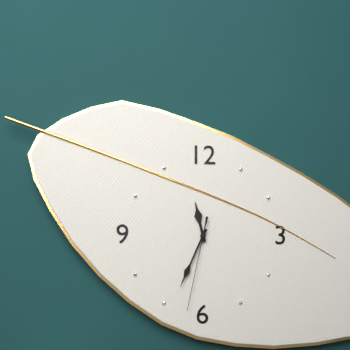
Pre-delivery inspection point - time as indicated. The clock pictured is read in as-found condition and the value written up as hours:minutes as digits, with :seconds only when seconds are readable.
11:34:32
